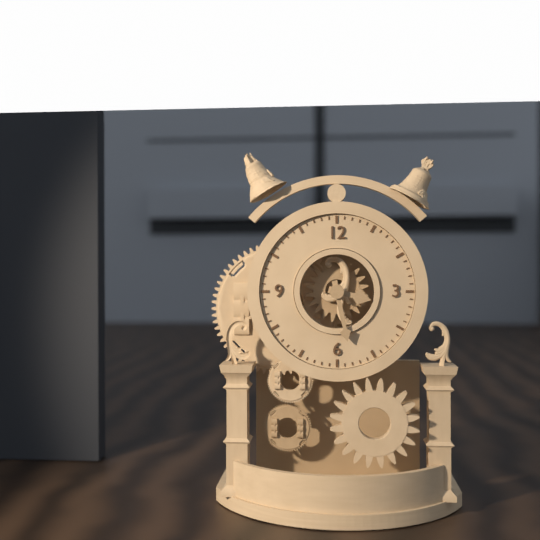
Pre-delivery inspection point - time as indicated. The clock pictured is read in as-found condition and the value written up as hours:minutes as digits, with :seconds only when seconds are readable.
3:28
